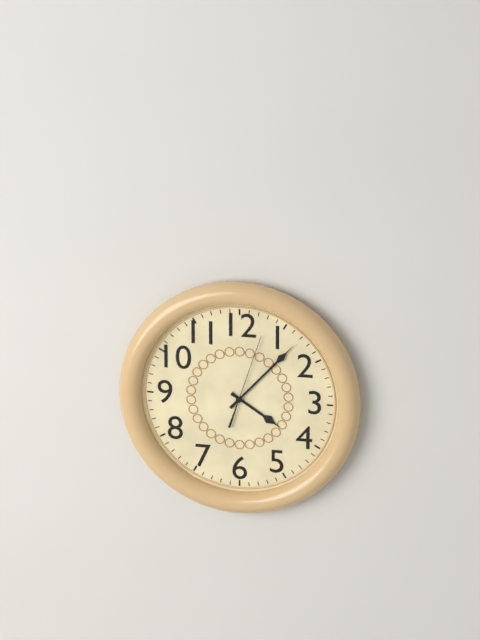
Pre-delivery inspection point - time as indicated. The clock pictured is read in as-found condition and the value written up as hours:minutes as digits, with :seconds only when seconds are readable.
4:07:03
